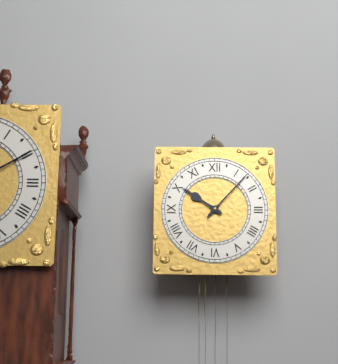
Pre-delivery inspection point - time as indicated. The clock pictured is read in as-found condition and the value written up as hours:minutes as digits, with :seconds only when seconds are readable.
10:07
